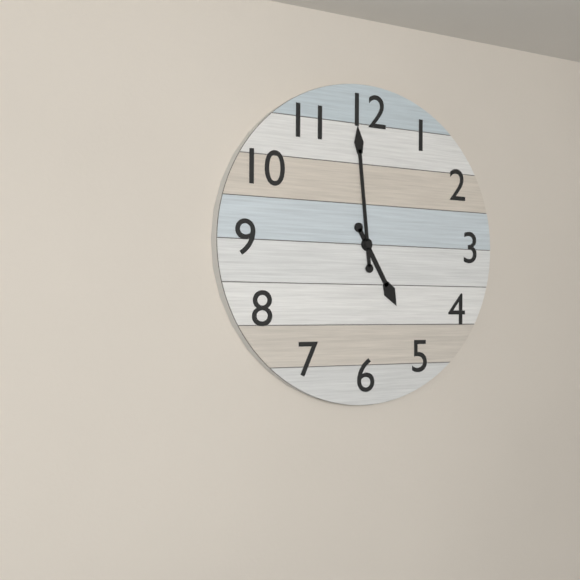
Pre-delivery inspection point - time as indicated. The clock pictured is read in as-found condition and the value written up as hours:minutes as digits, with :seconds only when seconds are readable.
4:59
